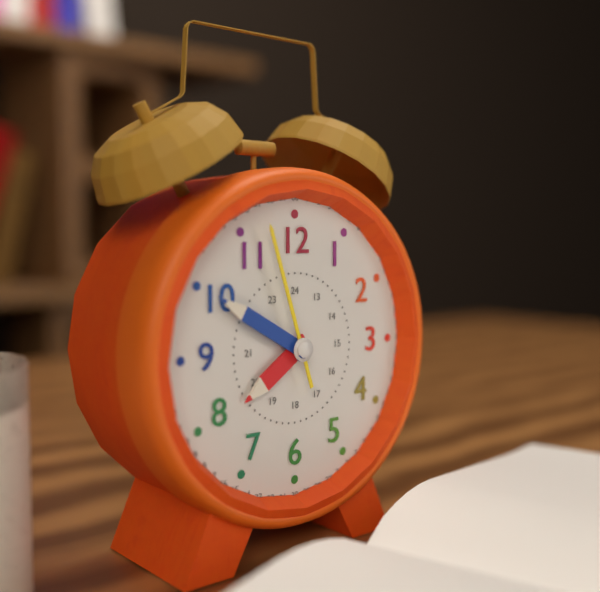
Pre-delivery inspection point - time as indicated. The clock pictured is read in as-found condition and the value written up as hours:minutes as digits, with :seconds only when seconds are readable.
7:50:57
